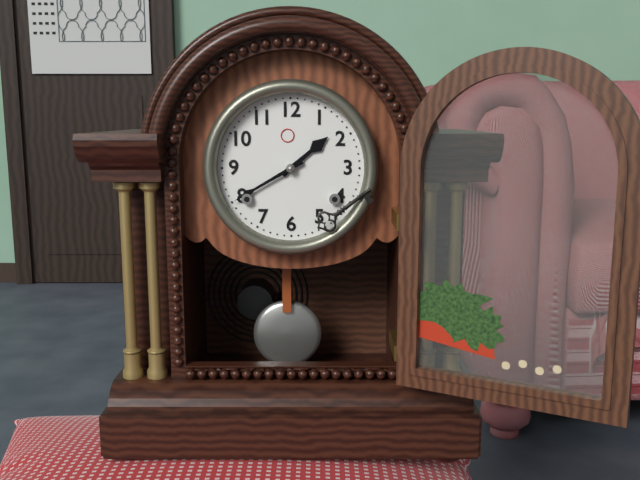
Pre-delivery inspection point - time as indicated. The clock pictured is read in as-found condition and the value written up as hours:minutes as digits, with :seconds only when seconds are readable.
1:40
